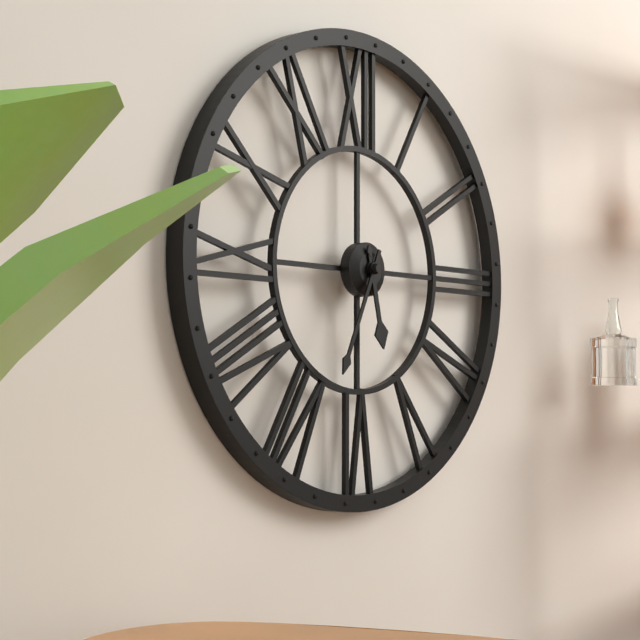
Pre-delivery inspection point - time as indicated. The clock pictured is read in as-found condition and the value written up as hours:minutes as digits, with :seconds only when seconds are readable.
5:34
